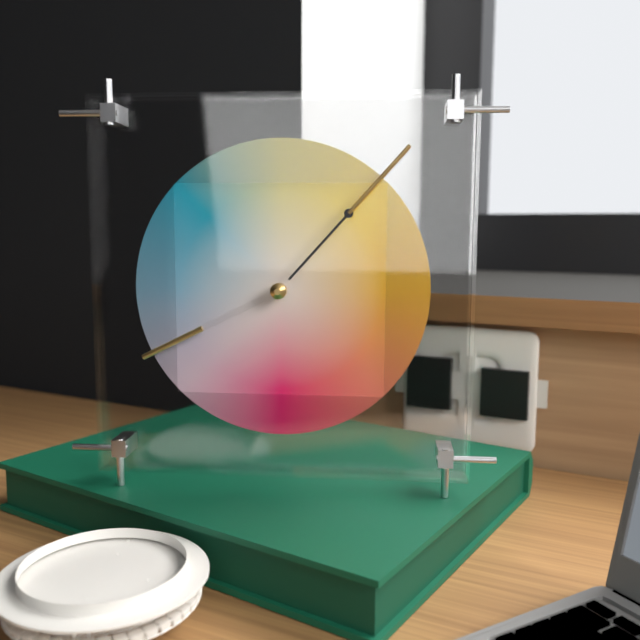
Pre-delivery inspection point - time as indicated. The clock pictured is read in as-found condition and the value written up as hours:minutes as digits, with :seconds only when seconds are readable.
8:07
